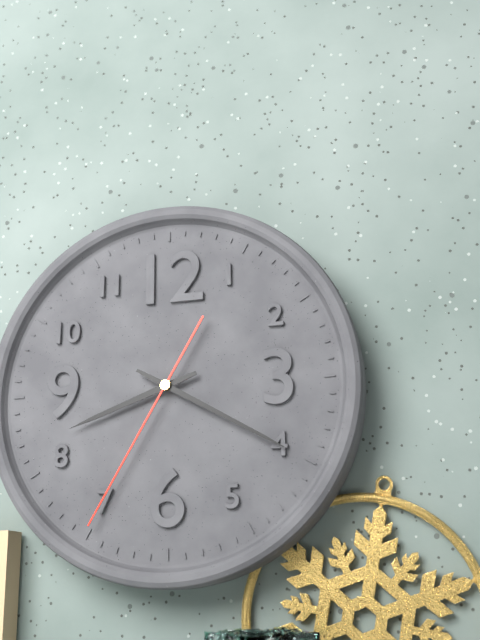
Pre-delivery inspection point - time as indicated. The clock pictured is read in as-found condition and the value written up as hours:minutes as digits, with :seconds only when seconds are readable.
8:20:35
